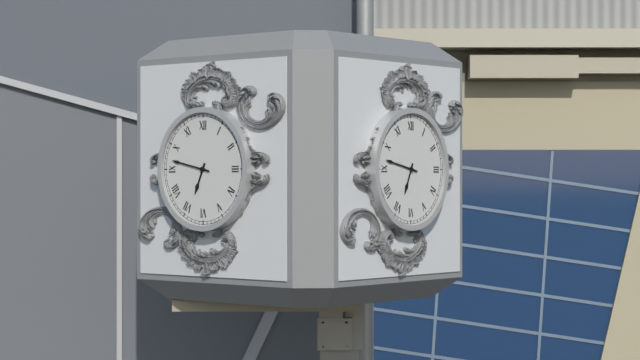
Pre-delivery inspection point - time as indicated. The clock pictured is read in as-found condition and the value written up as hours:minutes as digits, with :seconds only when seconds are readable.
6:47
